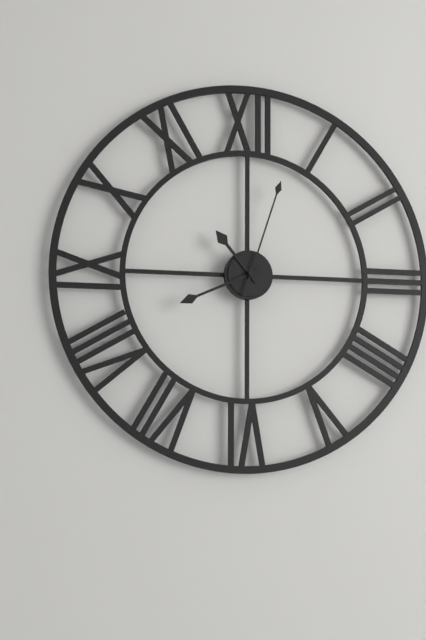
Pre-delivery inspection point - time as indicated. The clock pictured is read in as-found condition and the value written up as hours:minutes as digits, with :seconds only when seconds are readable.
10:41:03
